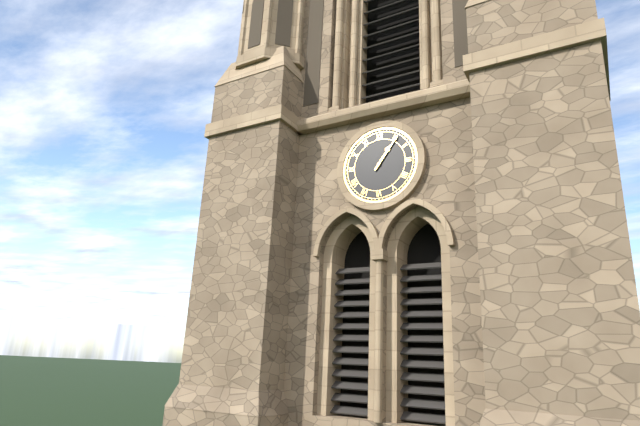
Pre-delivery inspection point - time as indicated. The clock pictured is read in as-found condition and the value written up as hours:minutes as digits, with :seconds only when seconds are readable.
1:06
